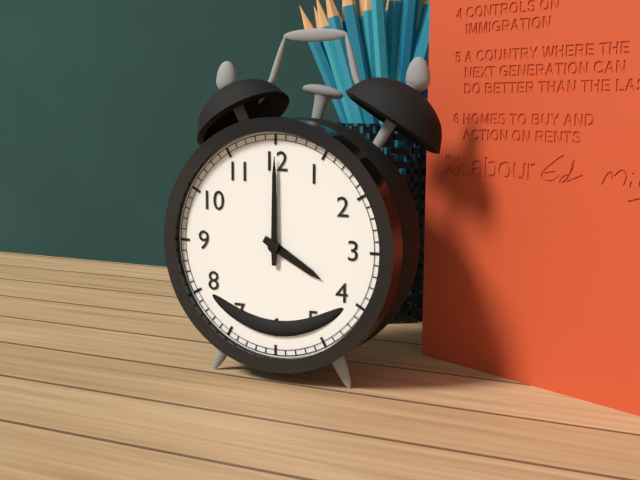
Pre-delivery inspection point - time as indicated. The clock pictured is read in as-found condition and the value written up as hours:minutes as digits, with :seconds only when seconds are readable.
4:00
